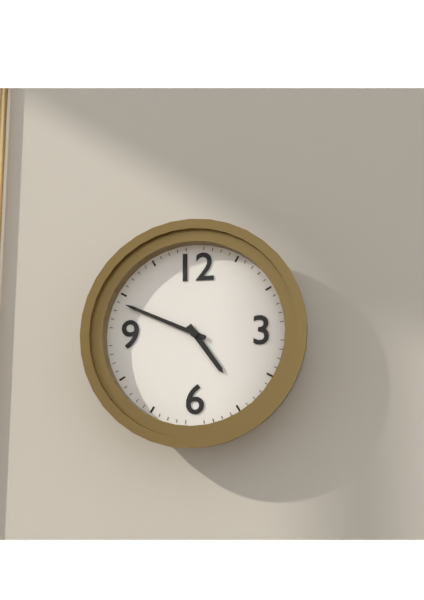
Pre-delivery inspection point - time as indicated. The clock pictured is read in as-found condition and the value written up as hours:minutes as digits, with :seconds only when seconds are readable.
4:49
